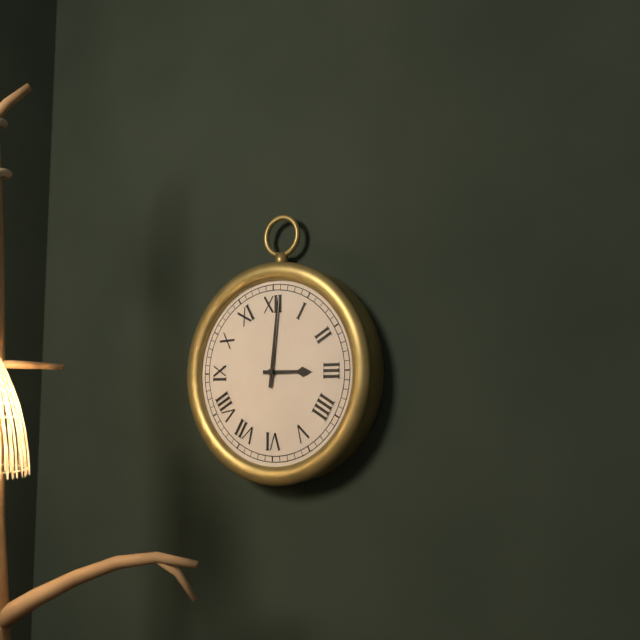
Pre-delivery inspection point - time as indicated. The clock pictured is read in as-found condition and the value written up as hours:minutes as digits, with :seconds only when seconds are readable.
3:01
